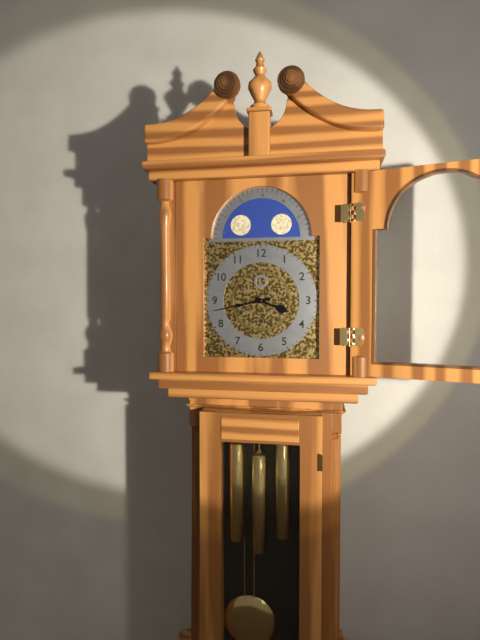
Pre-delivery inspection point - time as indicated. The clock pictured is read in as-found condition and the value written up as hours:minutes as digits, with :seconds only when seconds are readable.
3:43
